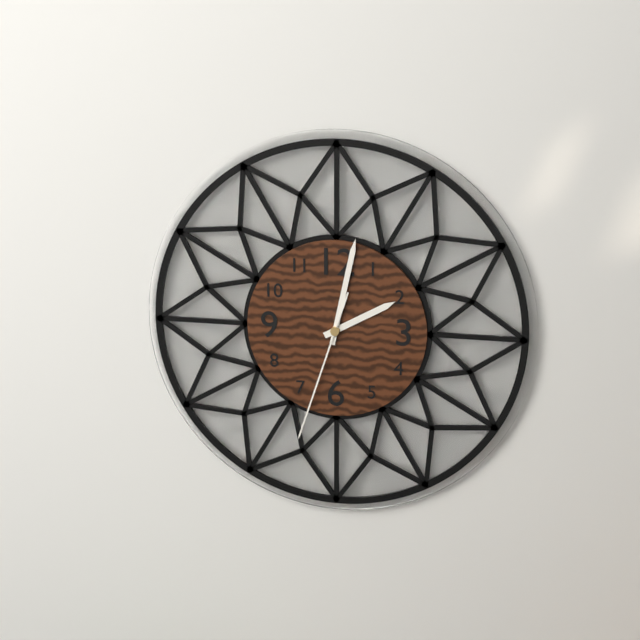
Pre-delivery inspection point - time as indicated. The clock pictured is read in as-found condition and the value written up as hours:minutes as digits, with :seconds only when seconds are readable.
2:02:33
